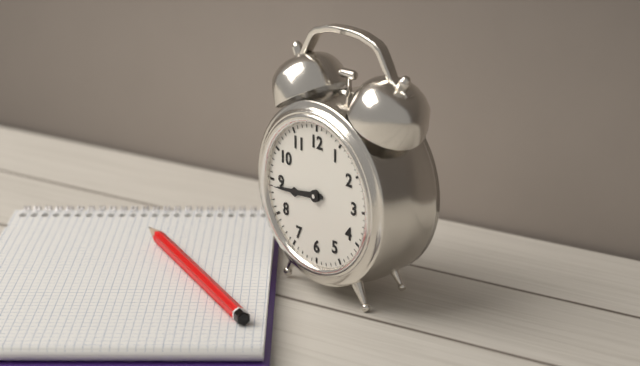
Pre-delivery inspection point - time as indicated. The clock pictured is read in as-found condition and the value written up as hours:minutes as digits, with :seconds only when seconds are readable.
8:44
